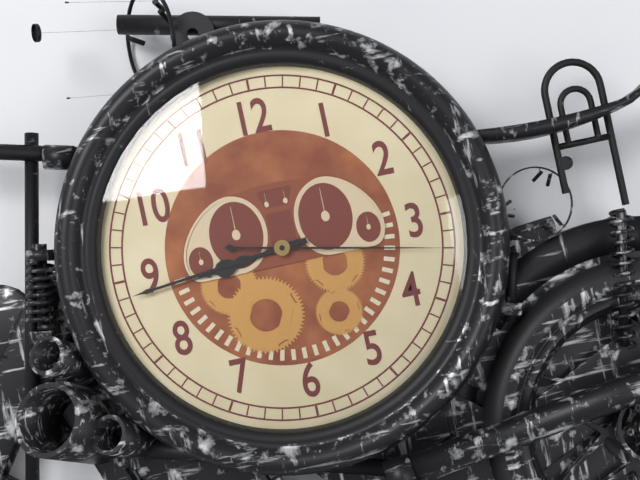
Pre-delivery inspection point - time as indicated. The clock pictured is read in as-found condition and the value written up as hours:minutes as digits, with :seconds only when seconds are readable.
8:44:17
